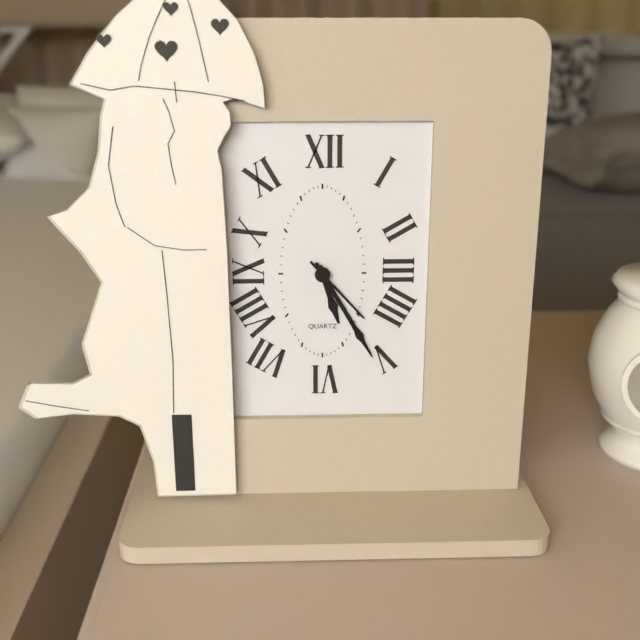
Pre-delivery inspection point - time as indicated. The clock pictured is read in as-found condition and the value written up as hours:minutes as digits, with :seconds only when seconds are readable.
5:25:23
